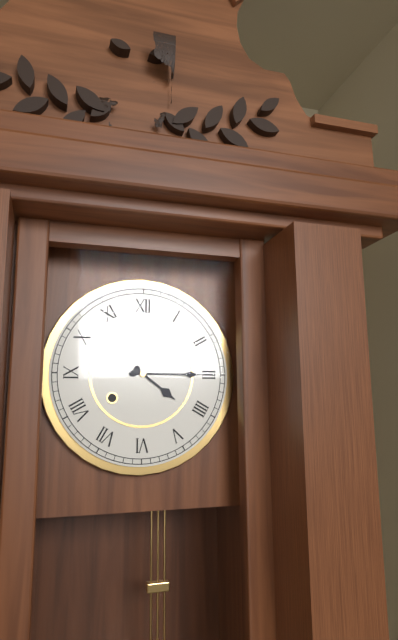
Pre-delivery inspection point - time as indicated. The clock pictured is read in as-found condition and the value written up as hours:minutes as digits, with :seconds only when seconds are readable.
4:15
